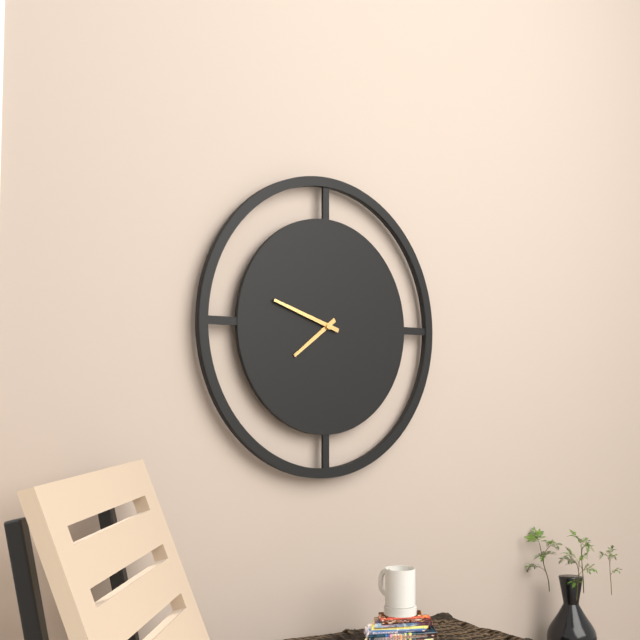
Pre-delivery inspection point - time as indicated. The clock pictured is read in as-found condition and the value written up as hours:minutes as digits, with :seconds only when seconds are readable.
7:48
